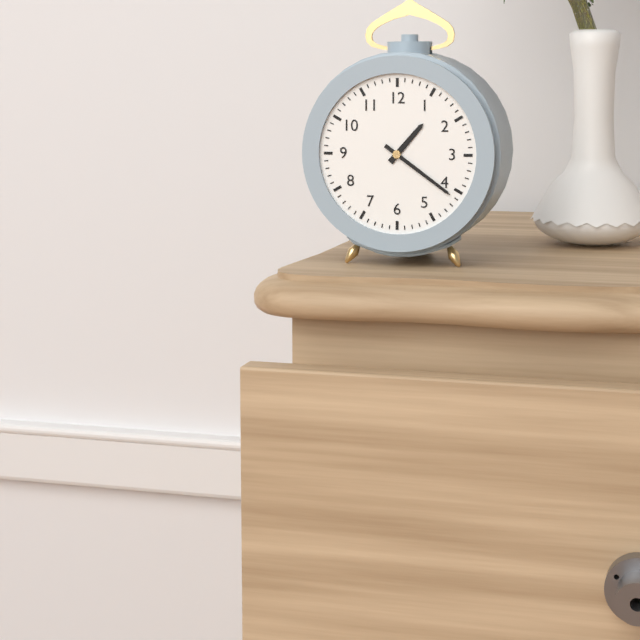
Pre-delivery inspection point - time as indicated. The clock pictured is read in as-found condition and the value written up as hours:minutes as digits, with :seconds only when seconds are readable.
1:21
